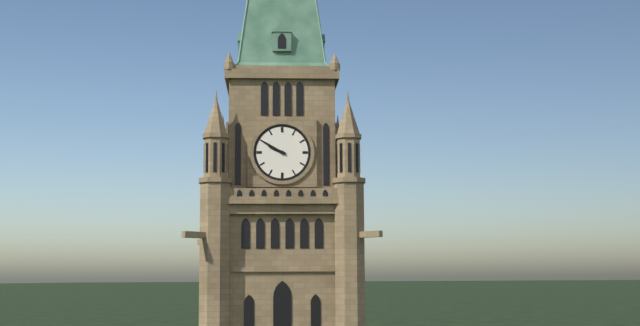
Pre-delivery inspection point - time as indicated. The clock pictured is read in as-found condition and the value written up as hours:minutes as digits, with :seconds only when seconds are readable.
9:50
